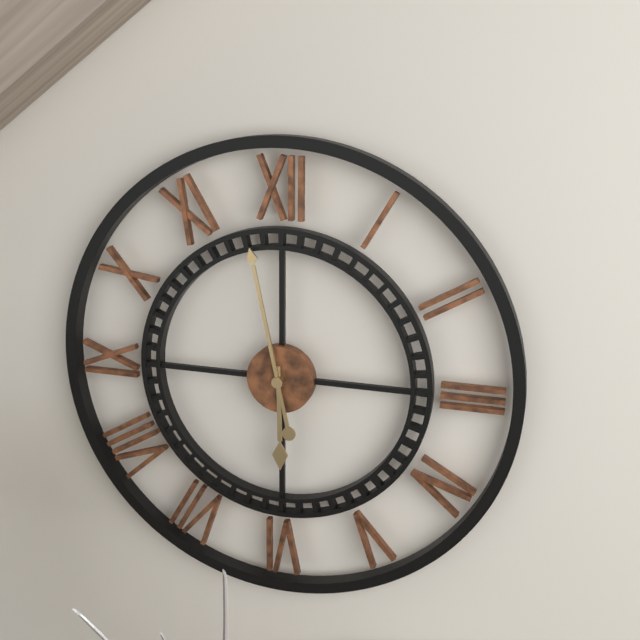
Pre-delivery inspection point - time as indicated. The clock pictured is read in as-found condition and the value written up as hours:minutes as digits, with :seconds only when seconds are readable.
5:58
